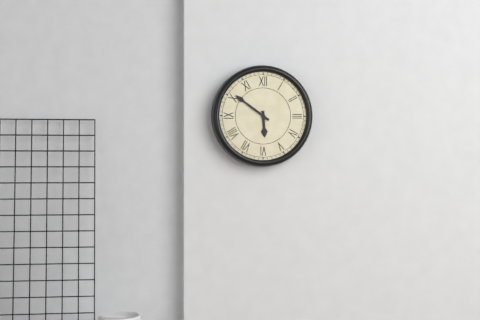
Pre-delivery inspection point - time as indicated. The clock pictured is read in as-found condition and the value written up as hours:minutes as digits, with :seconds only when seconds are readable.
5:51
